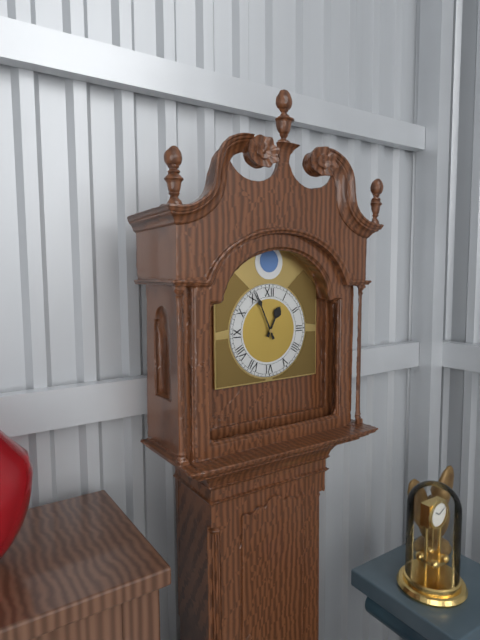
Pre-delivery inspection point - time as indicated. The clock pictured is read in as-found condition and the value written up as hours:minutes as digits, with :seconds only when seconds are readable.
12:56
